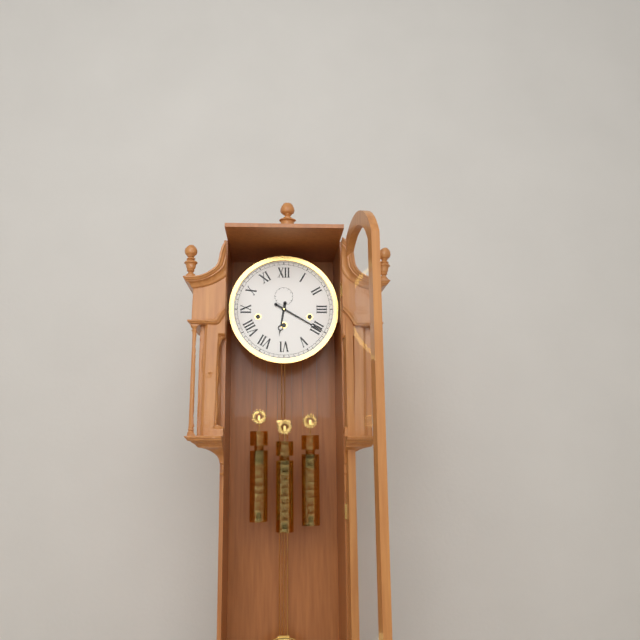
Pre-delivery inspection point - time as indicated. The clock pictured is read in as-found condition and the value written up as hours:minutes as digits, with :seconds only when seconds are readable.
6:20
